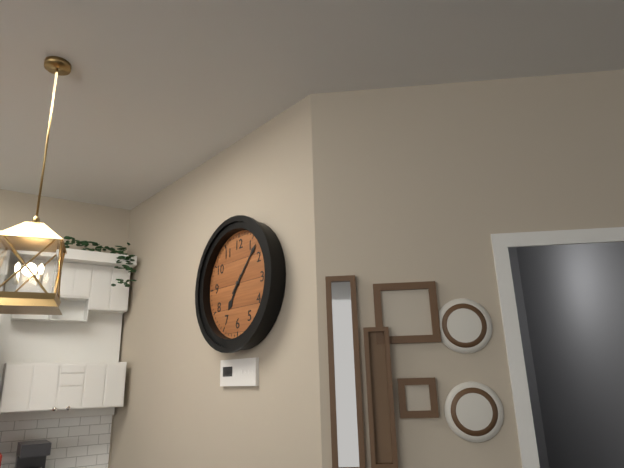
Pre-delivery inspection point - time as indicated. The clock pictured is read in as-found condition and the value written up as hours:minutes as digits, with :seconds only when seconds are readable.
7:07
